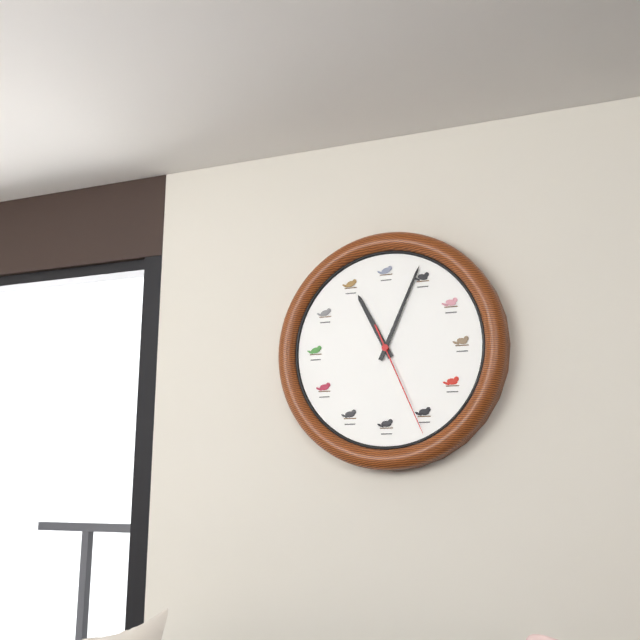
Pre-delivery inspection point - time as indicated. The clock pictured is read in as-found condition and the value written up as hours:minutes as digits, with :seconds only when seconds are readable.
11:04:26
